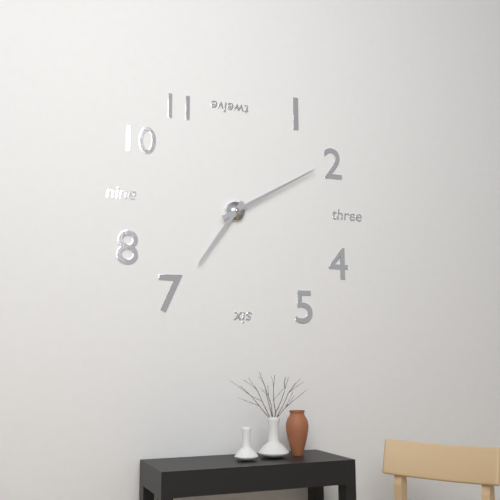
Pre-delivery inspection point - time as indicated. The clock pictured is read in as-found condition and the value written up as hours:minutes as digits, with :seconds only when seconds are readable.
7:10
